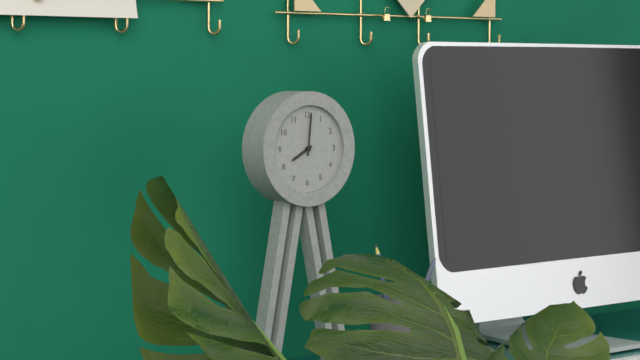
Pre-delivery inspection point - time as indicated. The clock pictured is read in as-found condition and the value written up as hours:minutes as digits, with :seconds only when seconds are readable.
8:01
